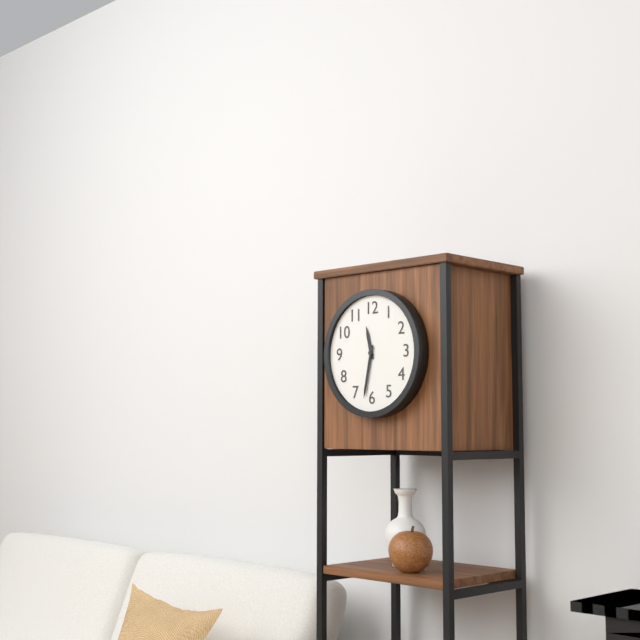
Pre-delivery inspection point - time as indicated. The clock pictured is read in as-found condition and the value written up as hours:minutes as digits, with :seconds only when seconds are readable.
11:32
